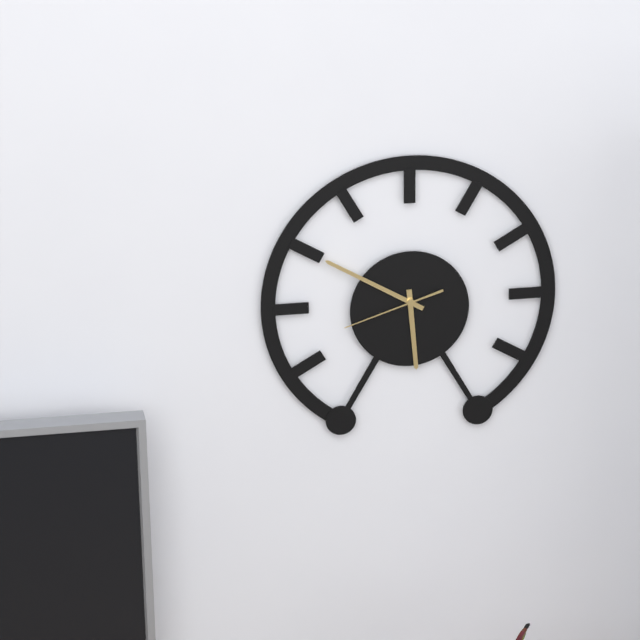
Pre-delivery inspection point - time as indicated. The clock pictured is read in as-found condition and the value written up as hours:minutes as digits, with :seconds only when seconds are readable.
5:50:42
